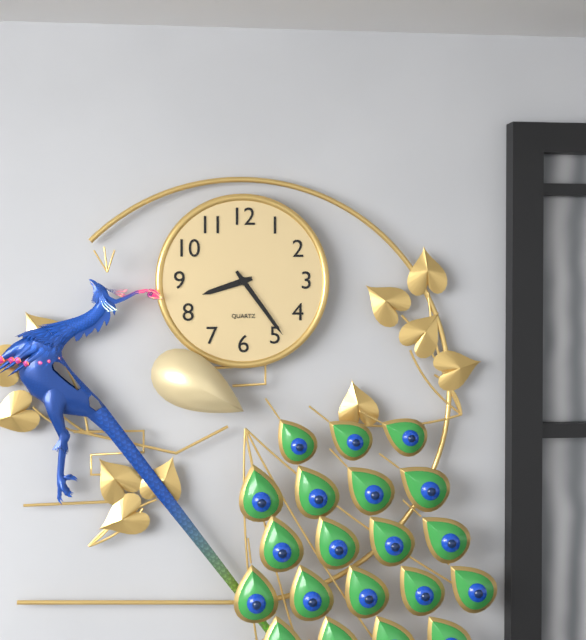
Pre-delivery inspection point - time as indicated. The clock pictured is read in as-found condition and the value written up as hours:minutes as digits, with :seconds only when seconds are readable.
8:24
